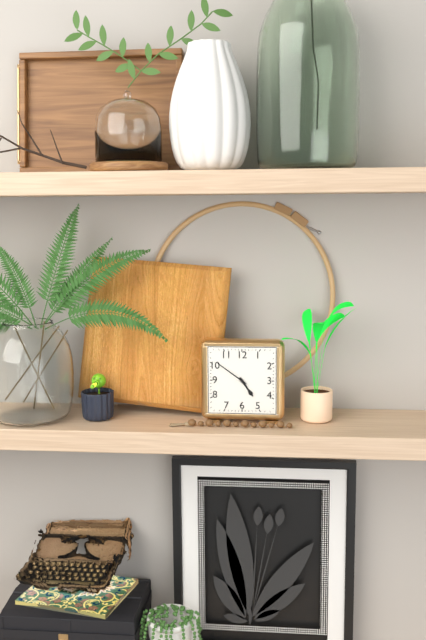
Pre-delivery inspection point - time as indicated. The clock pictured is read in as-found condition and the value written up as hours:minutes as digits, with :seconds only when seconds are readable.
4:51
